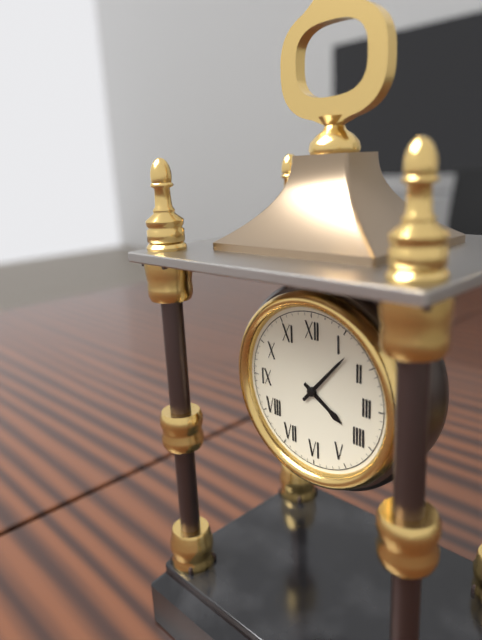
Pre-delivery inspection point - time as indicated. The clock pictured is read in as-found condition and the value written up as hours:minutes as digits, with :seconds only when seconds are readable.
4:07
